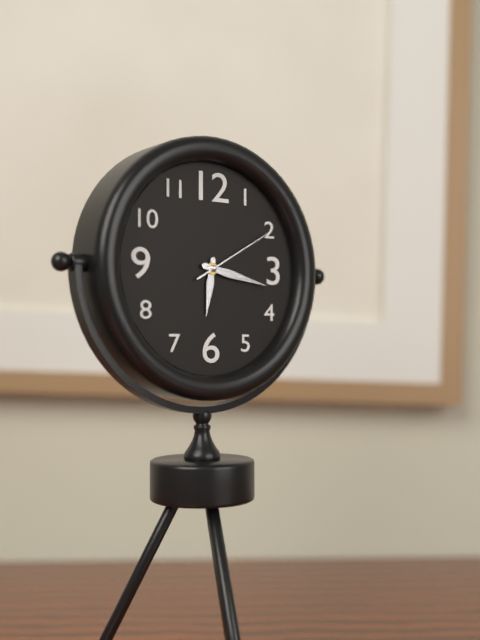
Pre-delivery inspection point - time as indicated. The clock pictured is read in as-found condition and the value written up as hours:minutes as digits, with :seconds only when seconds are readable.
6:17:10
